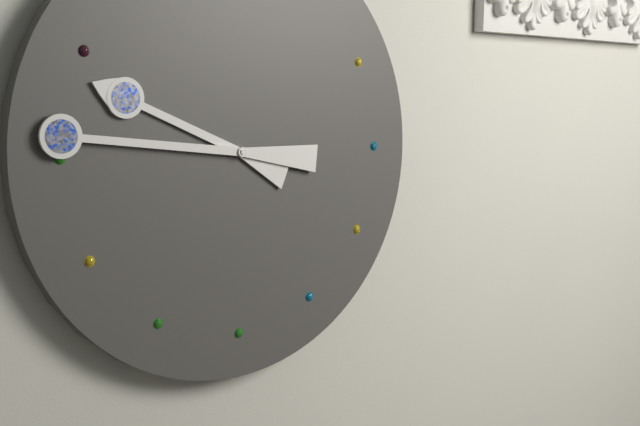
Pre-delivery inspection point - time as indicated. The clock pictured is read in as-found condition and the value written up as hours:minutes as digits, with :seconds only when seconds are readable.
9:46
